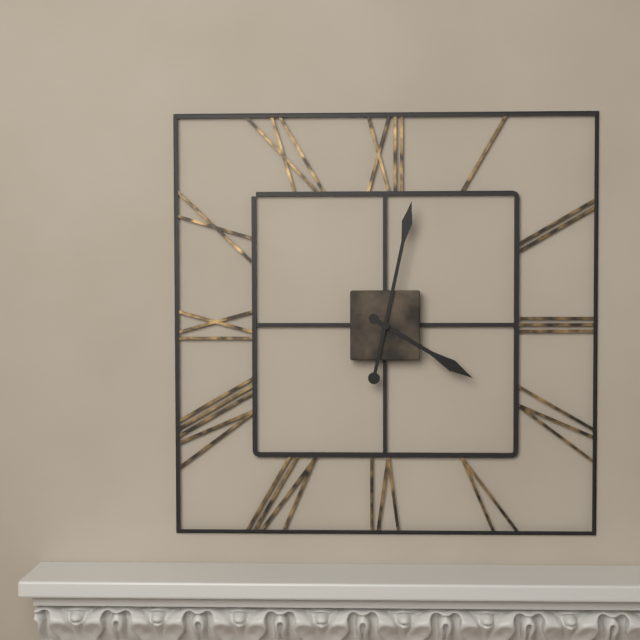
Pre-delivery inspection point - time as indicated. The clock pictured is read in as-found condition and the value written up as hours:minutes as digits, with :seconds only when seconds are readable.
4:02
